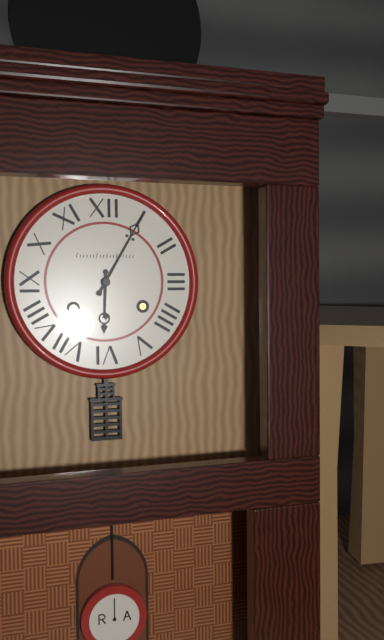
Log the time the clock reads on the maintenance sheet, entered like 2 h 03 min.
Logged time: 6 h 05 min
